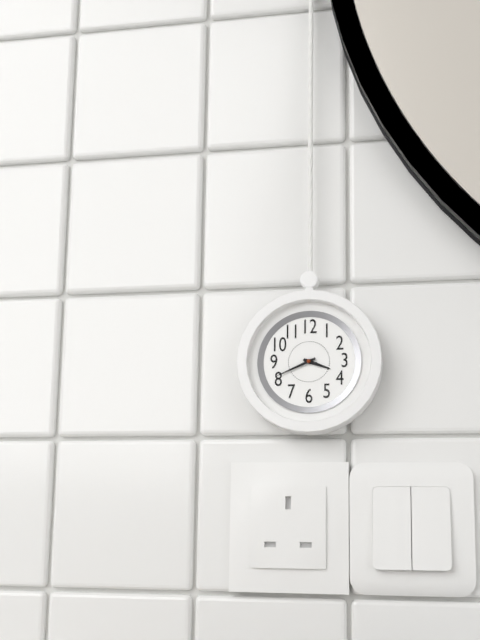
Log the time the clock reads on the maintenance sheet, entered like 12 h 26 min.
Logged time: 3 h 41 min
